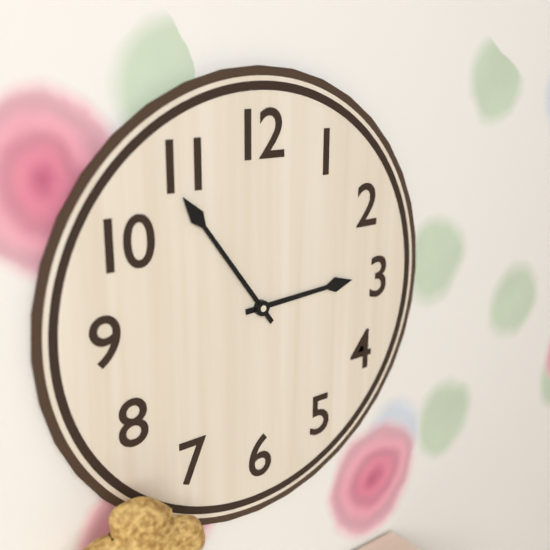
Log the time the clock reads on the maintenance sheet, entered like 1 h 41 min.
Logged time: 2 h 54 min
